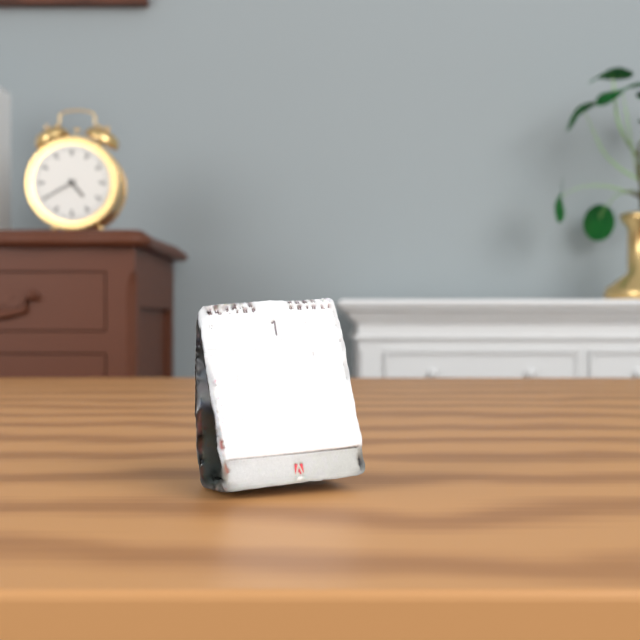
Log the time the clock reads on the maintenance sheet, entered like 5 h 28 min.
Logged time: 4 h 40 min
